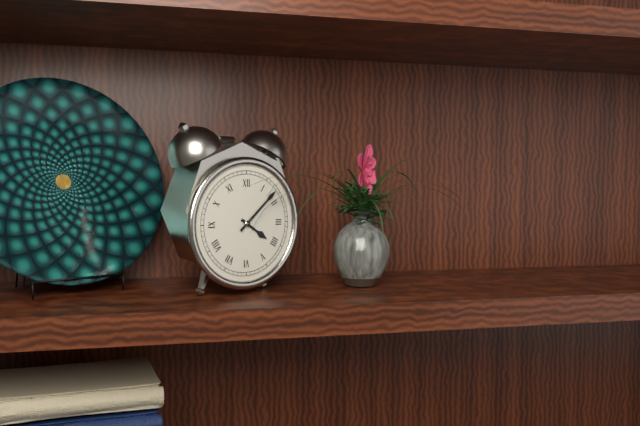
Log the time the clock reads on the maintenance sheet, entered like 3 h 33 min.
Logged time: 4 h 08 min
